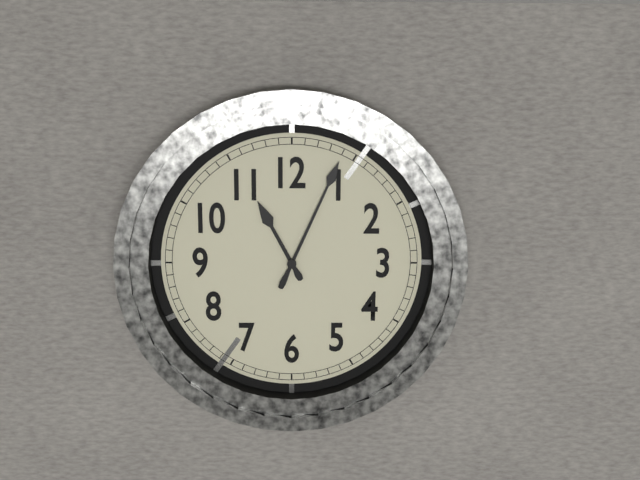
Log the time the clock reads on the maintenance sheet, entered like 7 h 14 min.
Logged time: 11 h 04 min
